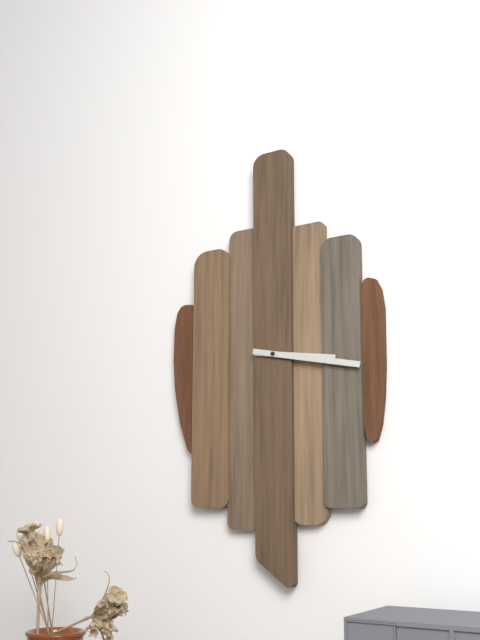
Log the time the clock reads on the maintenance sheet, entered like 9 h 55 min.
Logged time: 3 h 17 min
